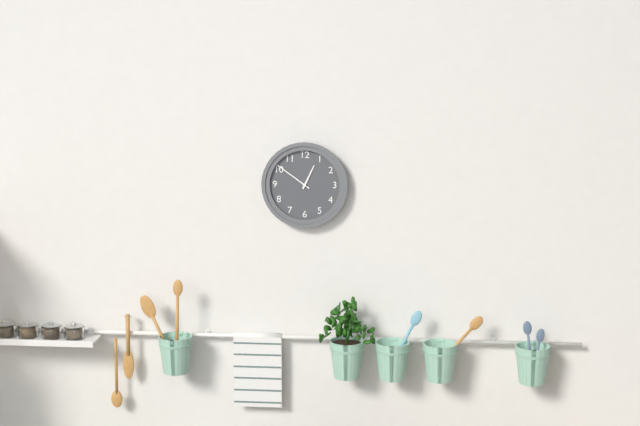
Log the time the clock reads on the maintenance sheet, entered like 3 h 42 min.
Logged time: 12 h 51 min
